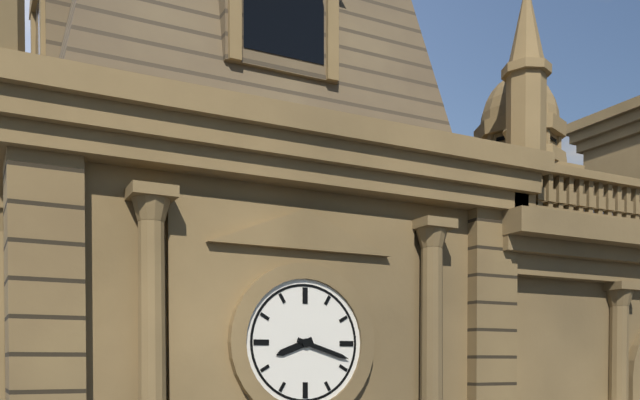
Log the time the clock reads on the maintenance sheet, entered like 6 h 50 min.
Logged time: 8 h 18 min
